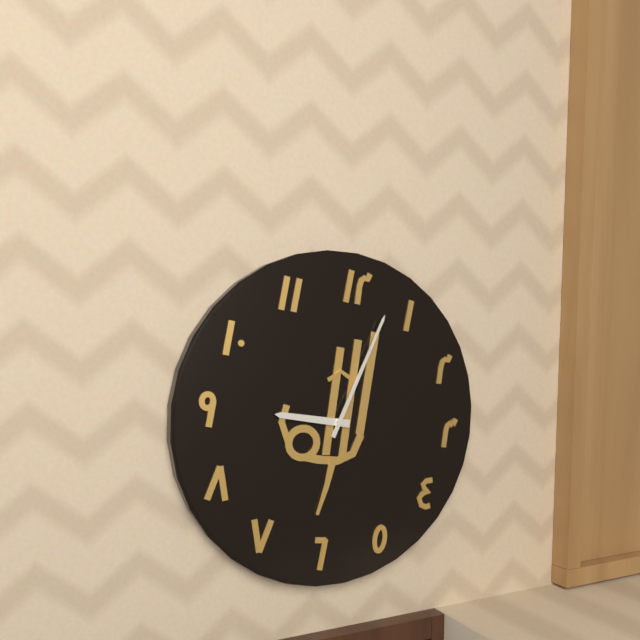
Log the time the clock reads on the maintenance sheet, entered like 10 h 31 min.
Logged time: 9 h 03 min
